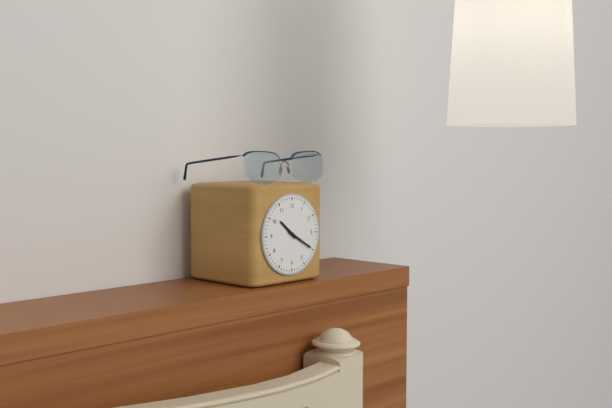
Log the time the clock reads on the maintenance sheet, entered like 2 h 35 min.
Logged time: 10 h 20 min
